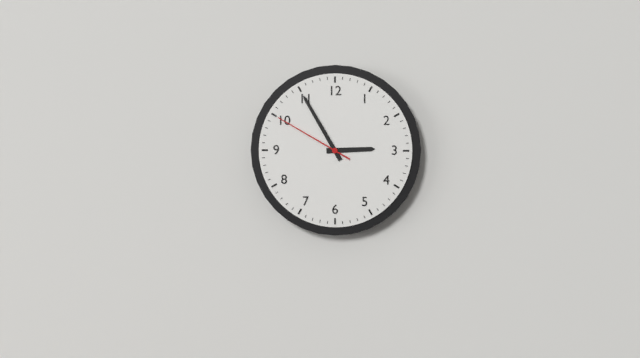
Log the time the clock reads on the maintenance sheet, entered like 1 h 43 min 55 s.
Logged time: 2 h 55 min 50 s
